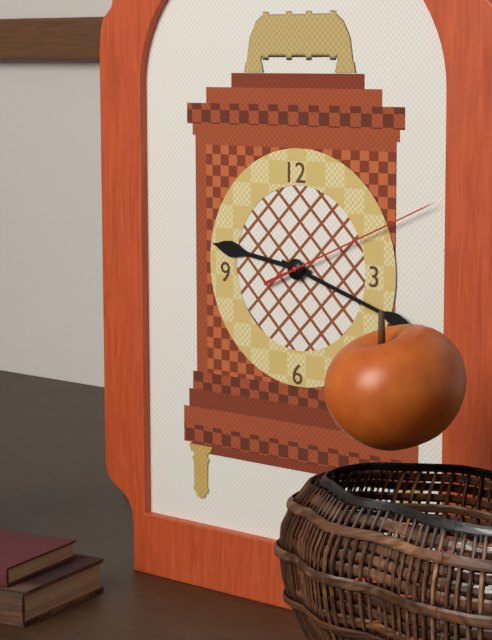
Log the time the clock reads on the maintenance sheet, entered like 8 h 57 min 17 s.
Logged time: 9 h 18 min 11 s
